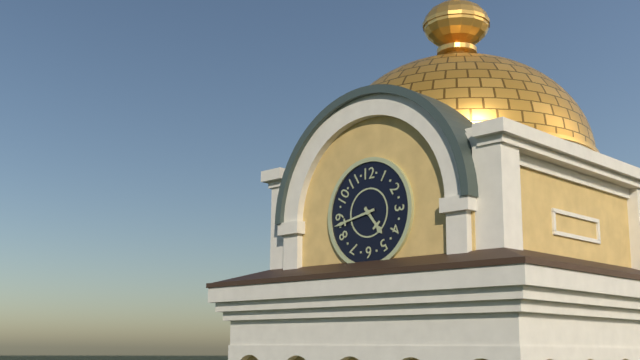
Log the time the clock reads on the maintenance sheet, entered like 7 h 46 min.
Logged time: 4 h 43 min
